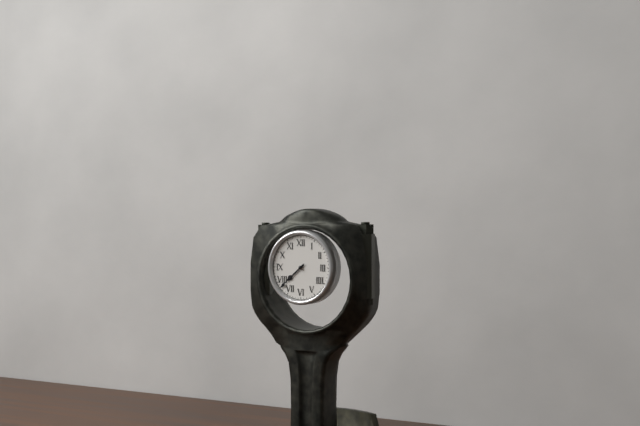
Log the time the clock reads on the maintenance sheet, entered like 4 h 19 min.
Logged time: 7 h 38 min
